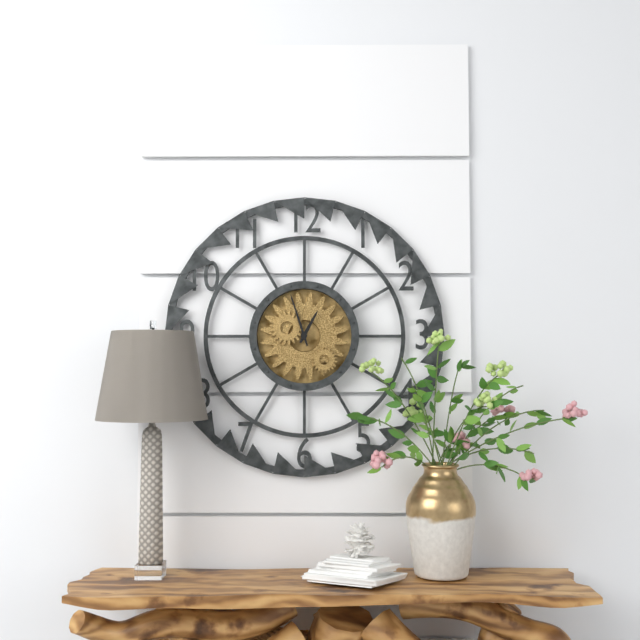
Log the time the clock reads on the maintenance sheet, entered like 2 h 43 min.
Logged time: 12 h 57 min
